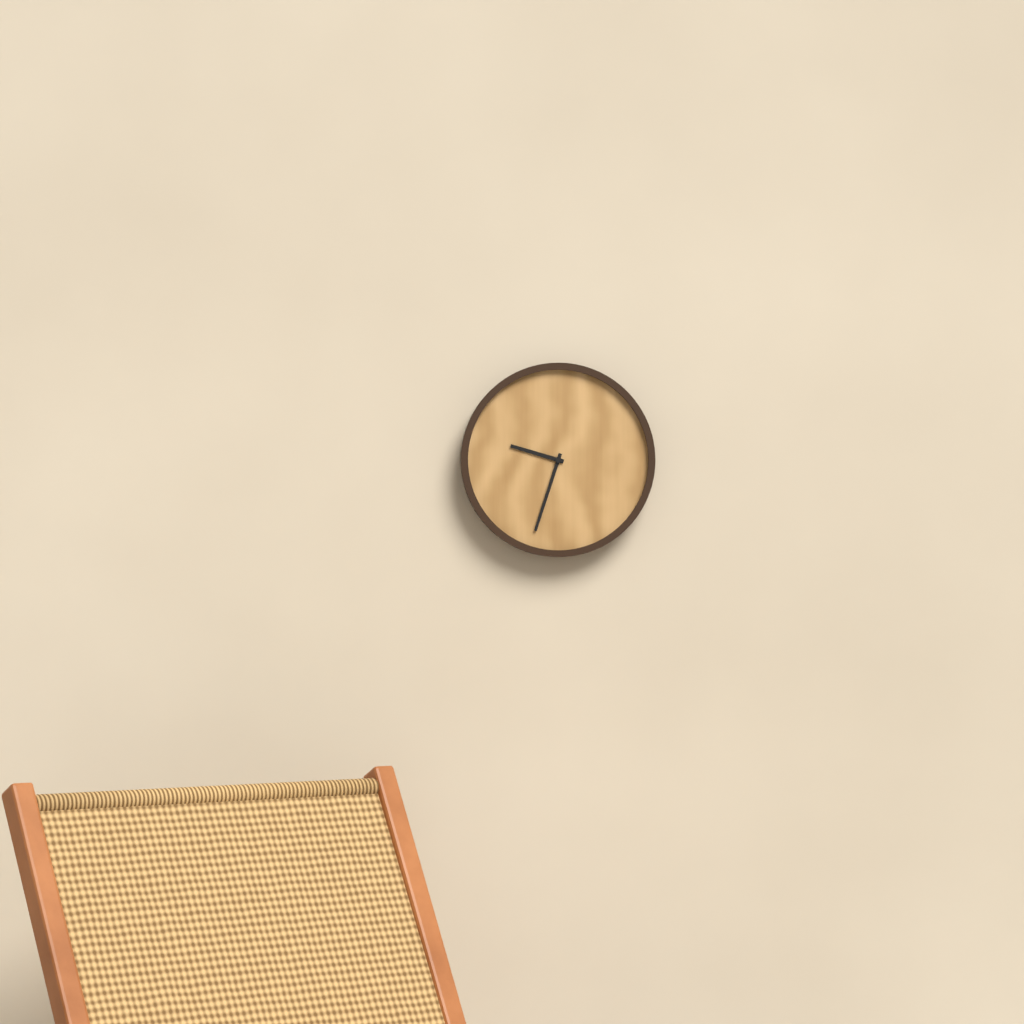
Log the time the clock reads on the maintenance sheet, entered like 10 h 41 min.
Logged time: 9 h 33 min
